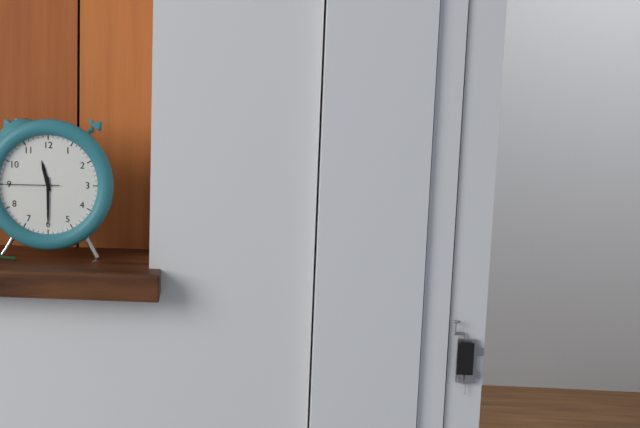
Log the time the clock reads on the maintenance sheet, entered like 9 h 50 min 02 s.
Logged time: 11 h 30 min 45 s
